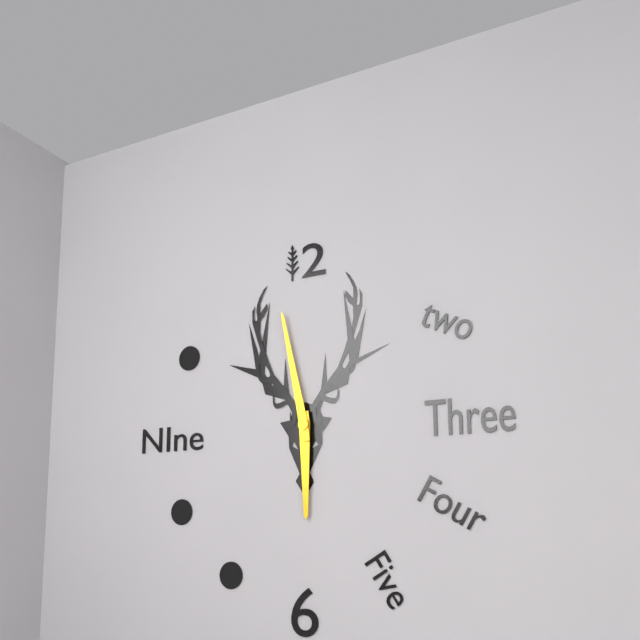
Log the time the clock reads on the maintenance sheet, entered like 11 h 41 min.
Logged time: 5 h 58 min
